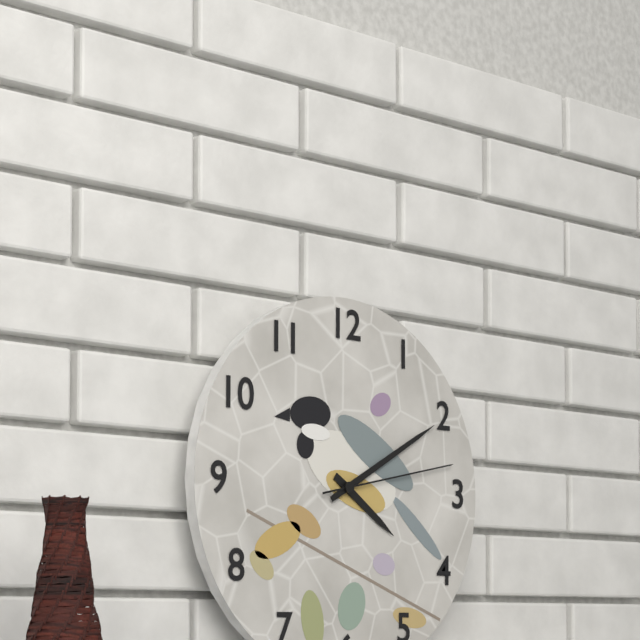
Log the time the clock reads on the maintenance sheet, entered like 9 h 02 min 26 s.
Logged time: 4 h 10 min 13 s
